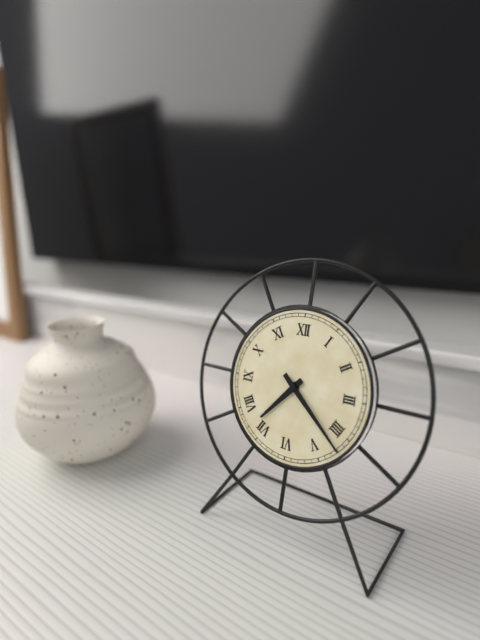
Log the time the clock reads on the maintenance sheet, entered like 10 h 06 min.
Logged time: 7 h 22 min
